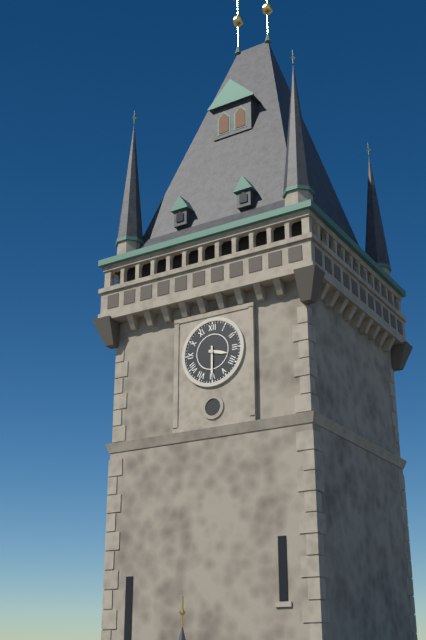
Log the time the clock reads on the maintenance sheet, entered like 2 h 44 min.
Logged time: 3 h 30 min
